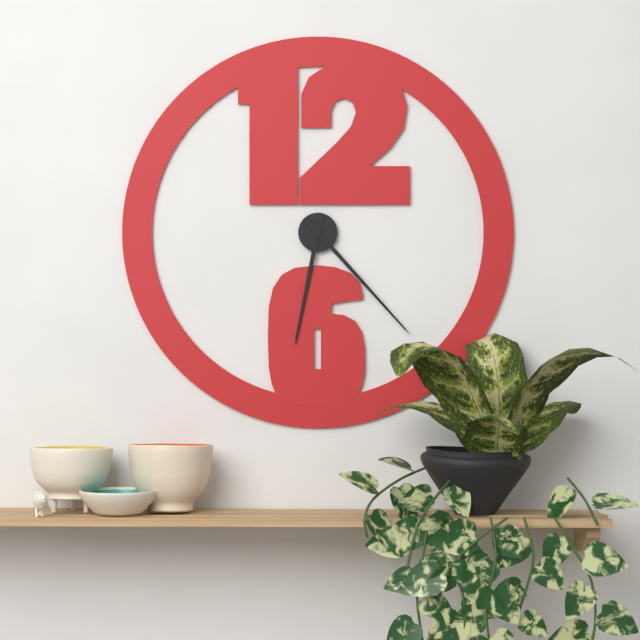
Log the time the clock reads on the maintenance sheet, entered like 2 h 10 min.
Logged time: 6 h 23 min
